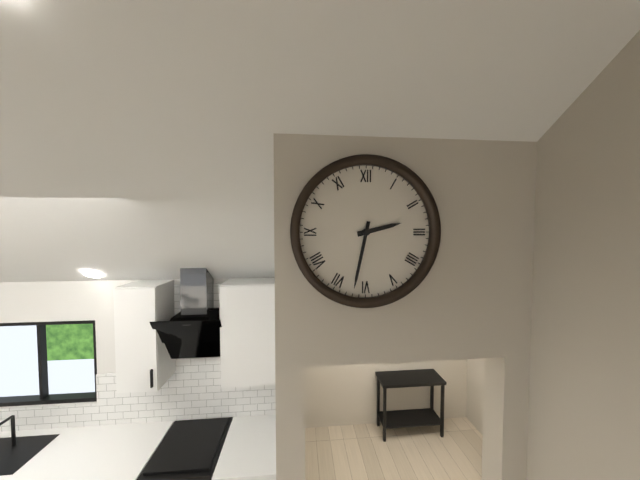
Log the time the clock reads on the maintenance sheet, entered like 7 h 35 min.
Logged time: 2 h 32 min
